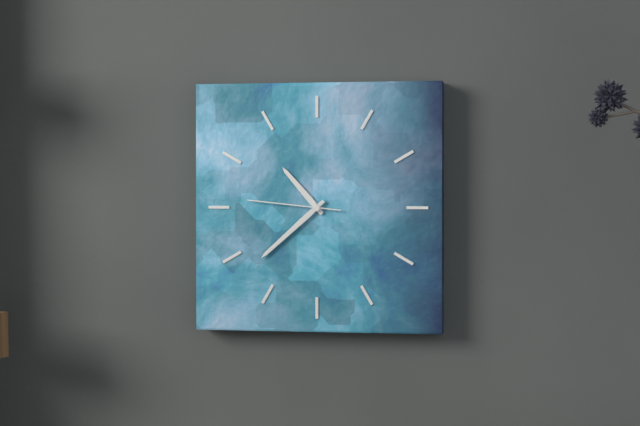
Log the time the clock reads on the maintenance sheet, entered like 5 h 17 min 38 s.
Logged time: 10 h 38 min 46 s
